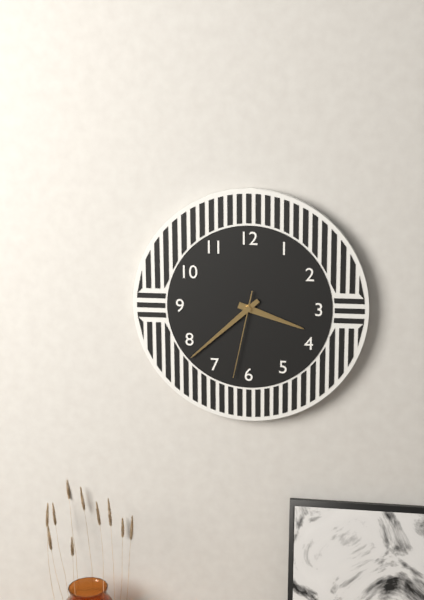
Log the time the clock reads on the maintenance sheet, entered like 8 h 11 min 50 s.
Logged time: 3 h 38 min 32 s
